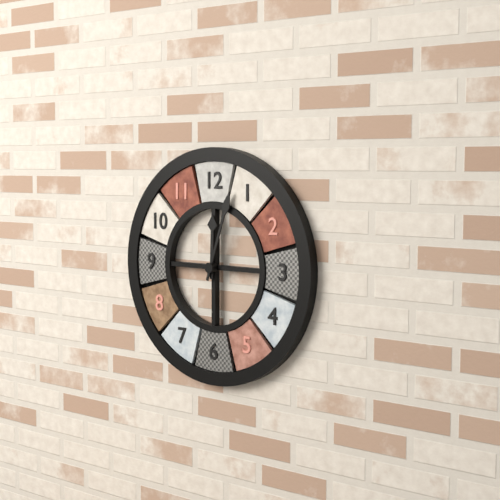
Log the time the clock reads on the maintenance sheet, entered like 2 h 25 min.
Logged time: 12 h 03 min
